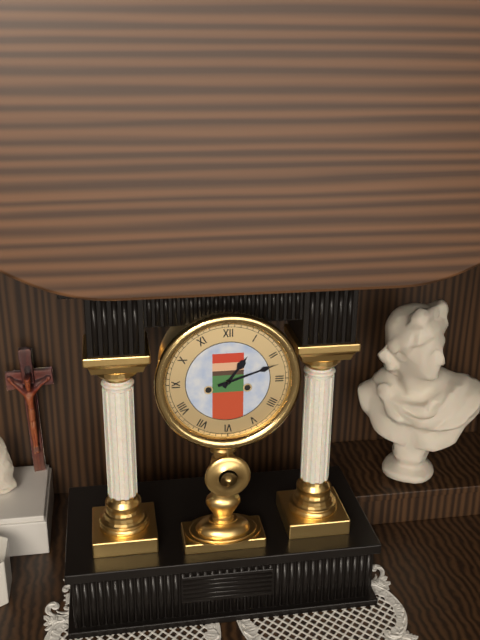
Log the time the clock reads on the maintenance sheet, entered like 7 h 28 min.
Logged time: 1 h 12 min
